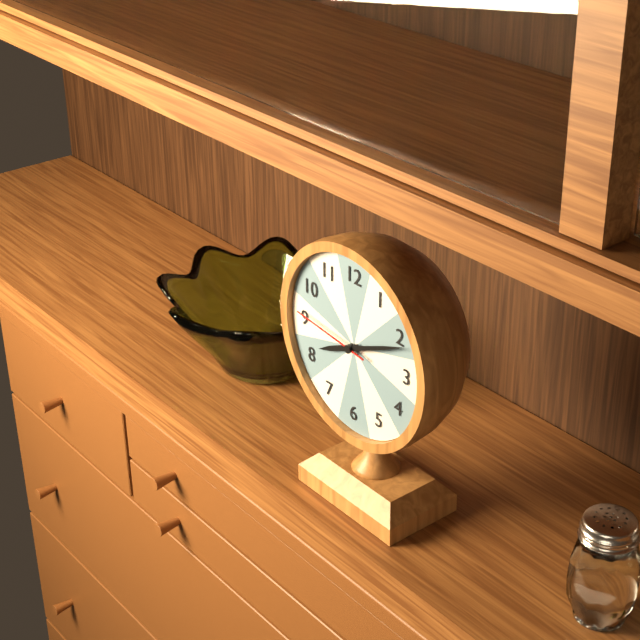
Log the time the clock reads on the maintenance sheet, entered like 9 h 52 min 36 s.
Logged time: 8 h 11 min 46 s
